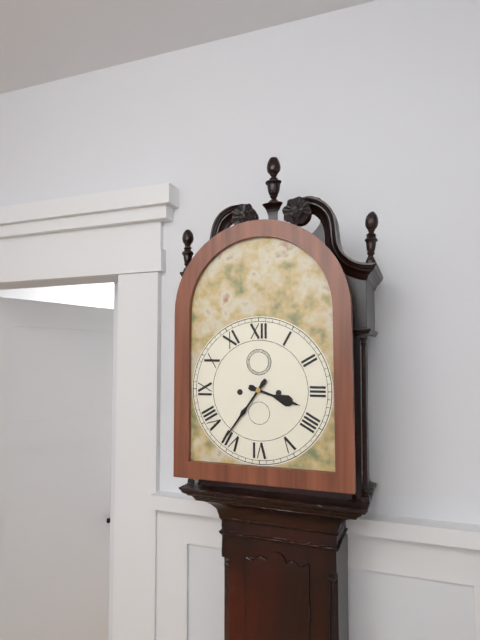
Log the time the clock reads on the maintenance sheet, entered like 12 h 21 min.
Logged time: 3 h 36 min
